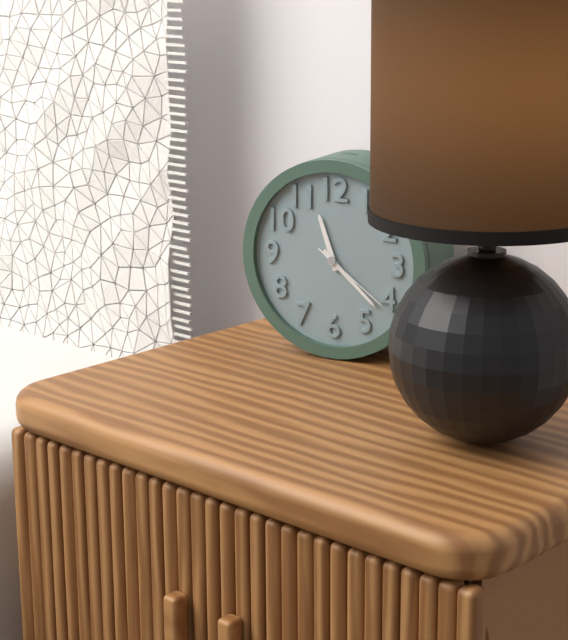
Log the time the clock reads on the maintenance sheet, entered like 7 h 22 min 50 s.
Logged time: 11 h 22 min 21 s
